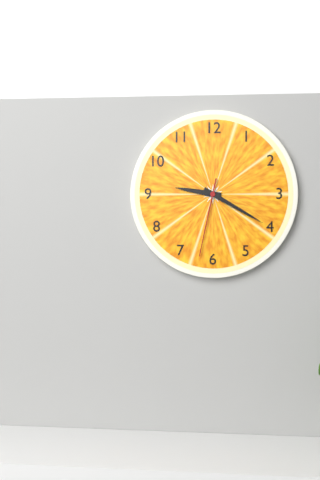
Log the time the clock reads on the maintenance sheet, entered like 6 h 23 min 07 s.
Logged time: 9 h 20 min 32 s
